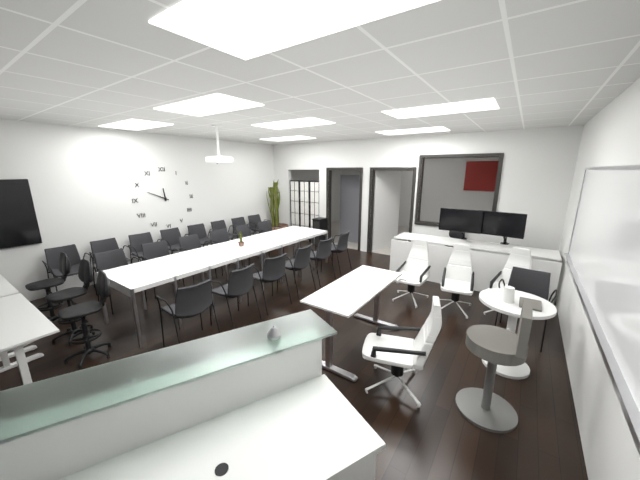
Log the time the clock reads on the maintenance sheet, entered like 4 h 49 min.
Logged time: 11 h 49 min
